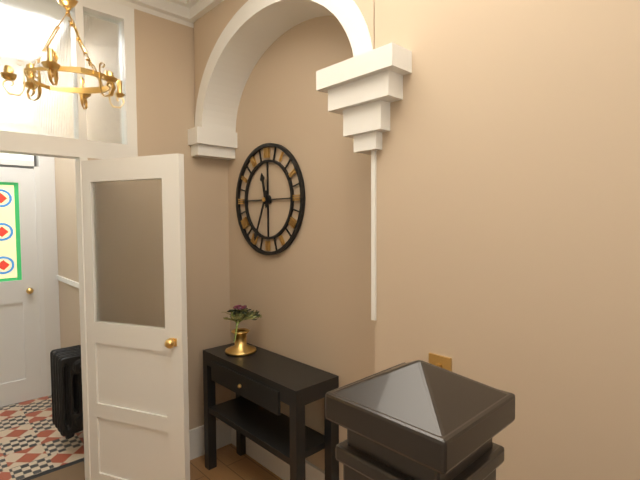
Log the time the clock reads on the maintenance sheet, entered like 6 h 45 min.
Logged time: 11 h 34 min
